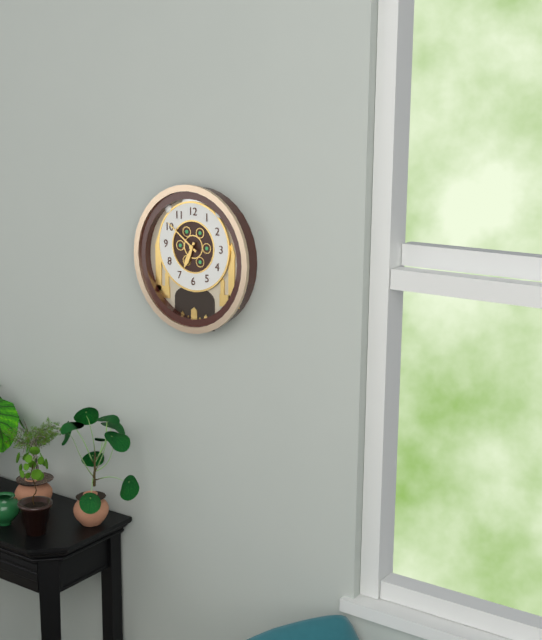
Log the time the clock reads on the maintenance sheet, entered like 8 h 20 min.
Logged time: 6 h 51 min
